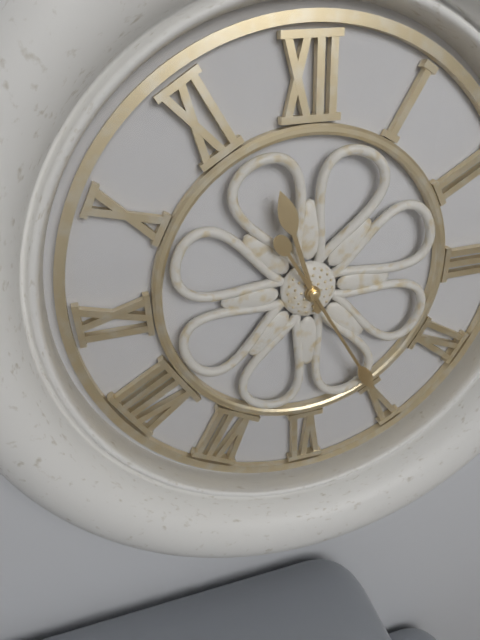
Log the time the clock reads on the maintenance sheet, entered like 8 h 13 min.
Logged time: 11 h 25 min
